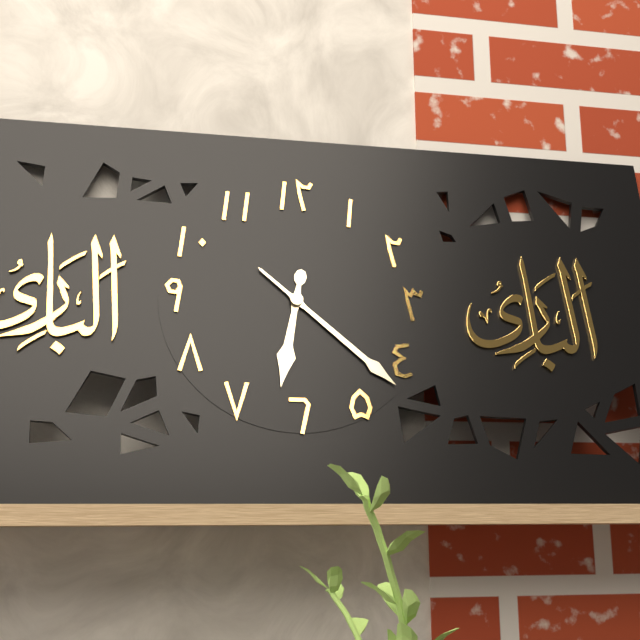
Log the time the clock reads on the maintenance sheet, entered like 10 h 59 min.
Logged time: 6 h 22 min
